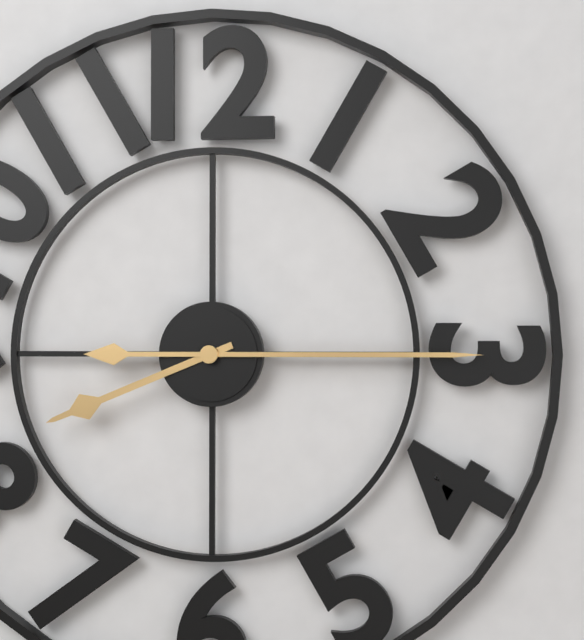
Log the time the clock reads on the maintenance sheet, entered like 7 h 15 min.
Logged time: 8 h 15 min
